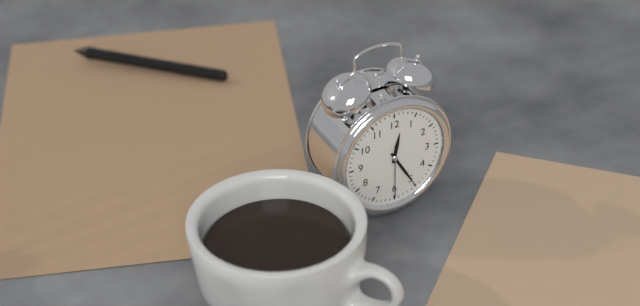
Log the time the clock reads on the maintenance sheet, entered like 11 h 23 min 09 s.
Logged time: 12 h 25 min 30 s
